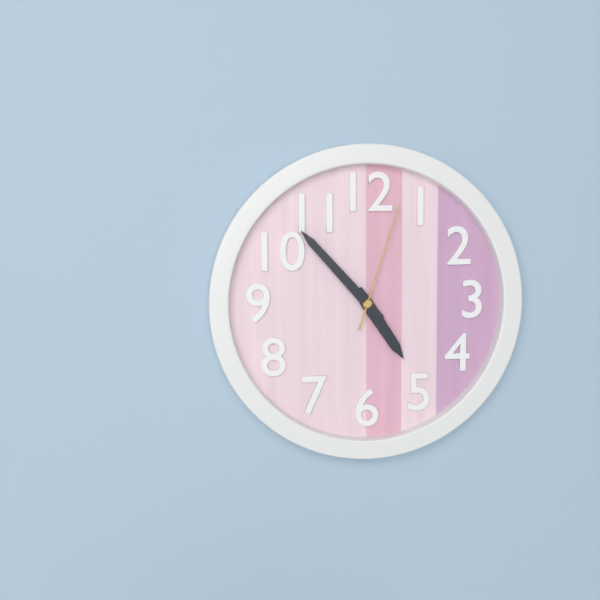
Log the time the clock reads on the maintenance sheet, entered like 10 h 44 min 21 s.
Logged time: 4 h 53 min 03 s
